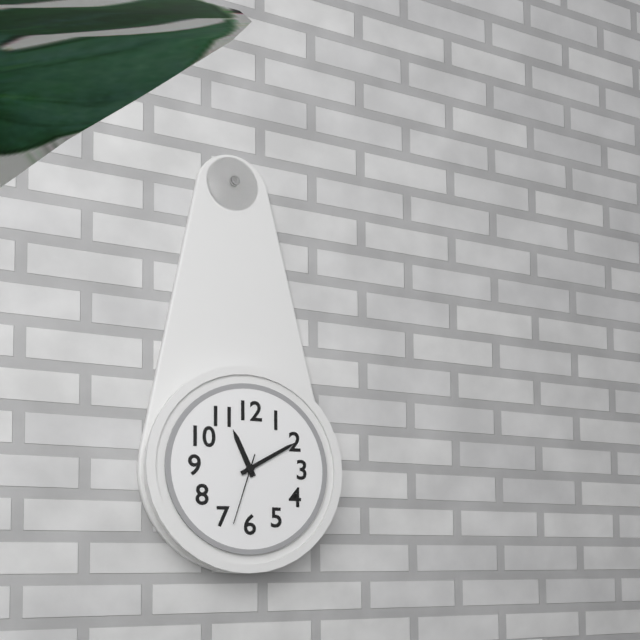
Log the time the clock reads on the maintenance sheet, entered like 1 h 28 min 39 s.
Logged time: 11 h 10 min 33 s
